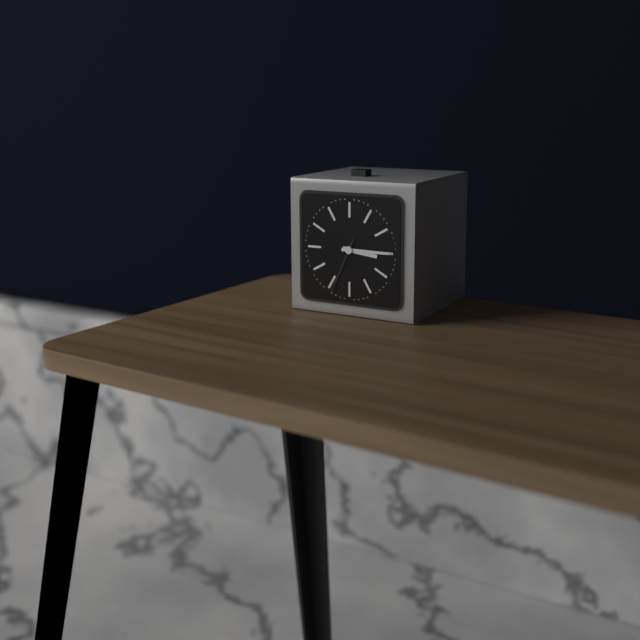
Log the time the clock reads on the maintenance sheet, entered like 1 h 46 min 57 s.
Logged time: 3 h 15 min 34 s
